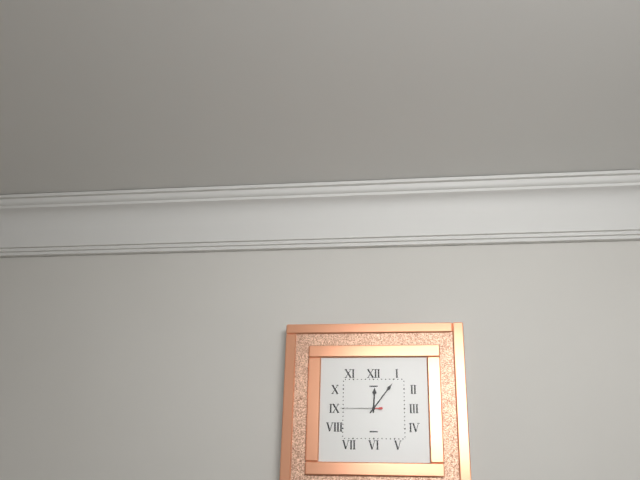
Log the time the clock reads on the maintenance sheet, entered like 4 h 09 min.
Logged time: 12 h 06 min
